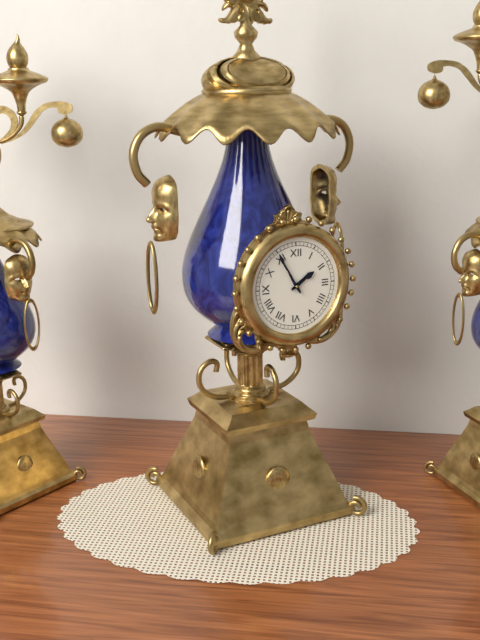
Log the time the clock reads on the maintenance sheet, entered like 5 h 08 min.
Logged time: 1 h 55 min
